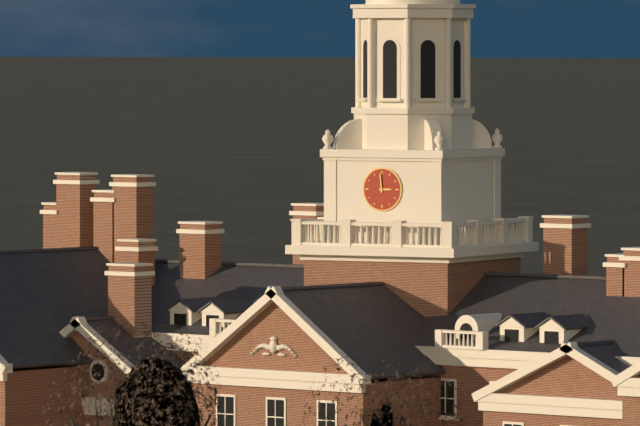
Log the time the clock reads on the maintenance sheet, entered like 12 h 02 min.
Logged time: 2 h 59 min
